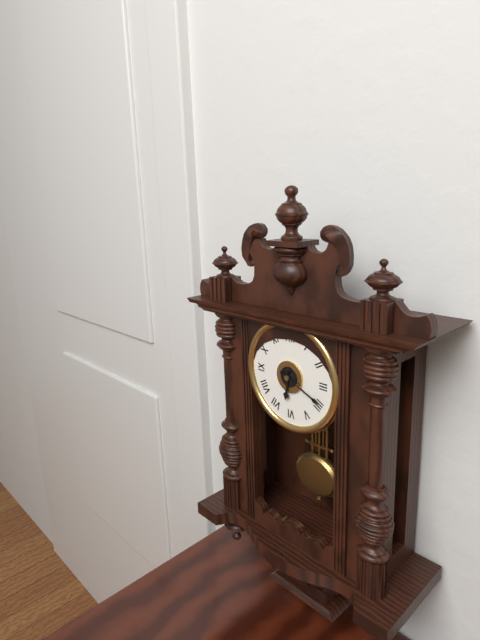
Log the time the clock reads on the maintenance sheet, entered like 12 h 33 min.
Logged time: 6 h 19 min
